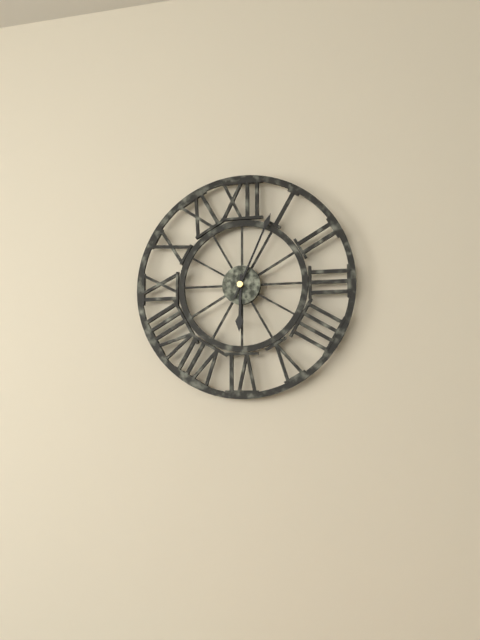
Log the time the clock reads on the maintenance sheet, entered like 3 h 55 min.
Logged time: 6 h 04 min
